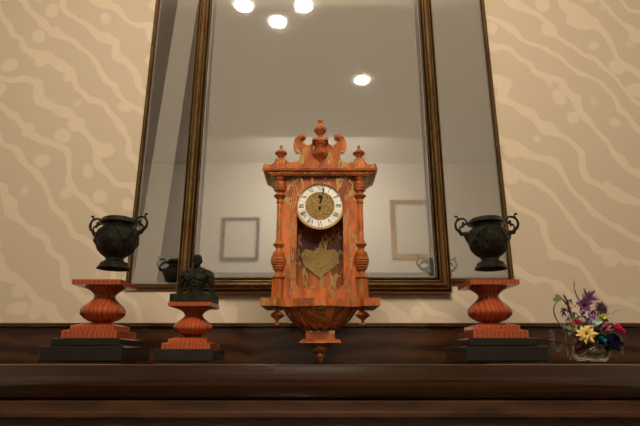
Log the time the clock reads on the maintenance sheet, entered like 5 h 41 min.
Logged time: 12 h 02 min
